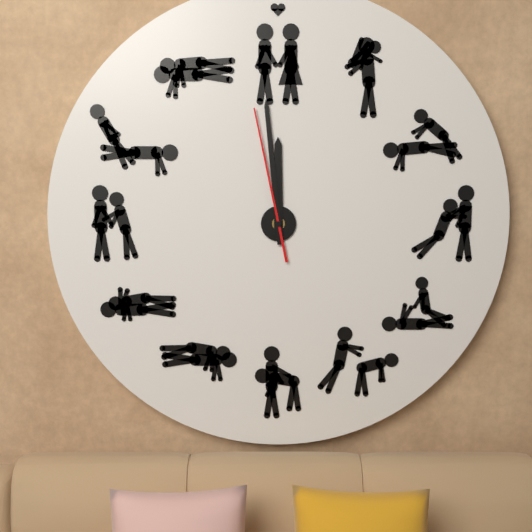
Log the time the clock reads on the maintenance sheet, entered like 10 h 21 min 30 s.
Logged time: 11 h 59 min 58 s
